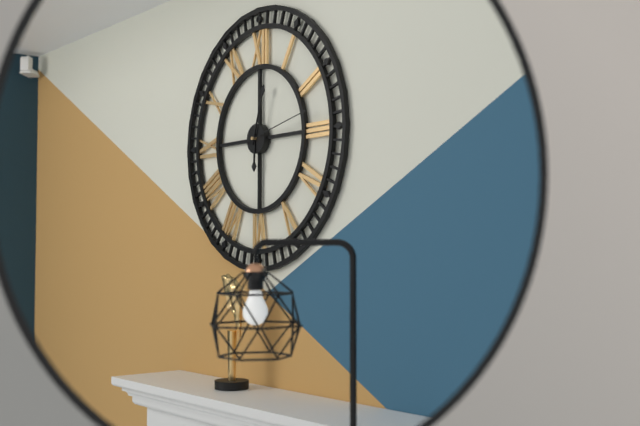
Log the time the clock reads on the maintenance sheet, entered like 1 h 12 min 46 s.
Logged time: 6 h 03 min 13 s
